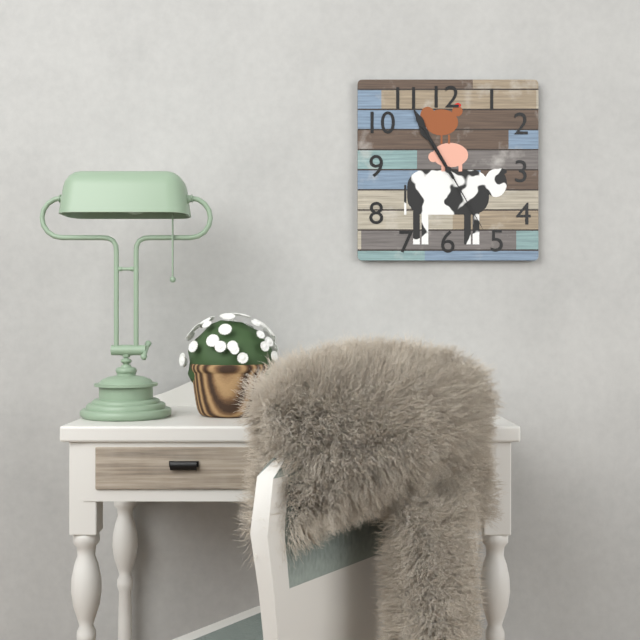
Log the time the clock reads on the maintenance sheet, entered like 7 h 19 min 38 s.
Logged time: 10 h 55 min 25 s
